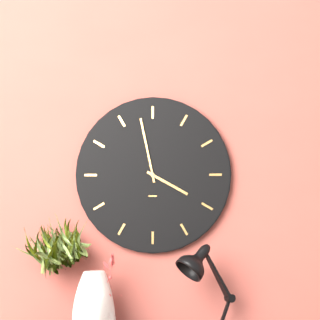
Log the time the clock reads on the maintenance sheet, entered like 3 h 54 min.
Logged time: 3 h 58 min
